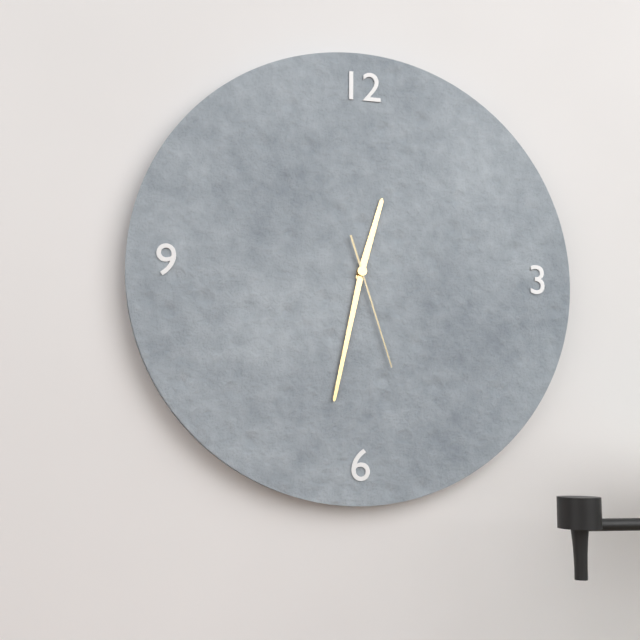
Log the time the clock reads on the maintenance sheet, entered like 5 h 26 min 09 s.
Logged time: 12 h 32 min 27 s
